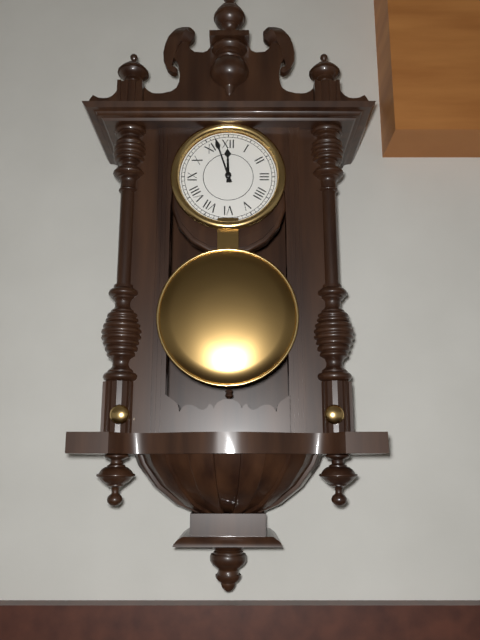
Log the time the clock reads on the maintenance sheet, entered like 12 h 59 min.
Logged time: 11 h 57 min
